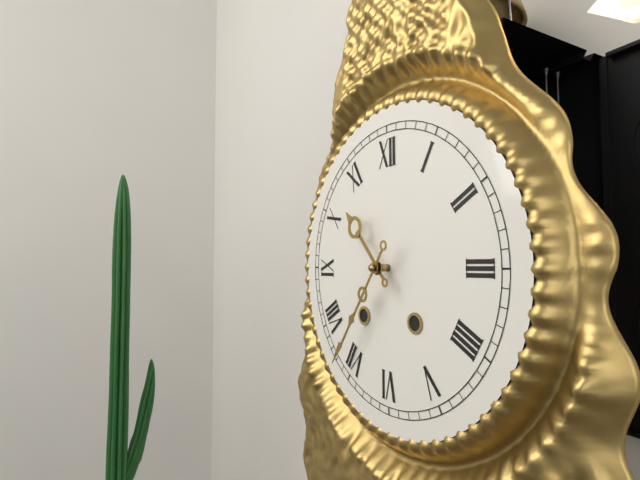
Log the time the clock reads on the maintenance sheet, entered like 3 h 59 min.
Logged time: 10 h 36 min
